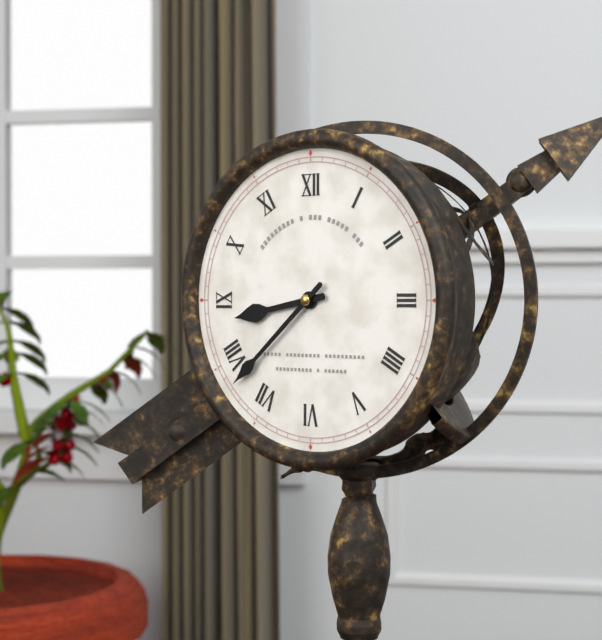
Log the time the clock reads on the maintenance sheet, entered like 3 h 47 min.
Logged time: 8 h 38 min
